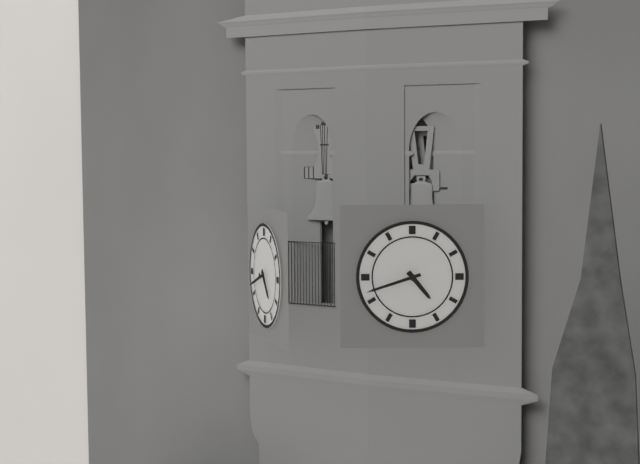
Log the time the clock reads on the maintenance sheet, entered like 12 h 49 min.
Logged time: 4 h 42 min
